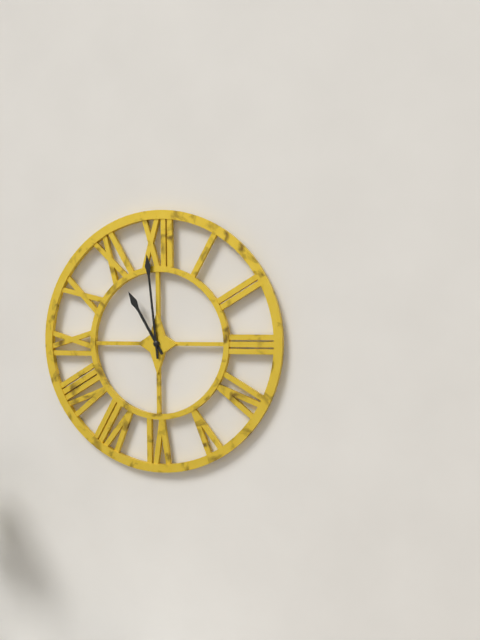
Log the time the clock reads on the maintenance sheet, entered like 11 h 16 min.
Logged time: 10 h 59 min
